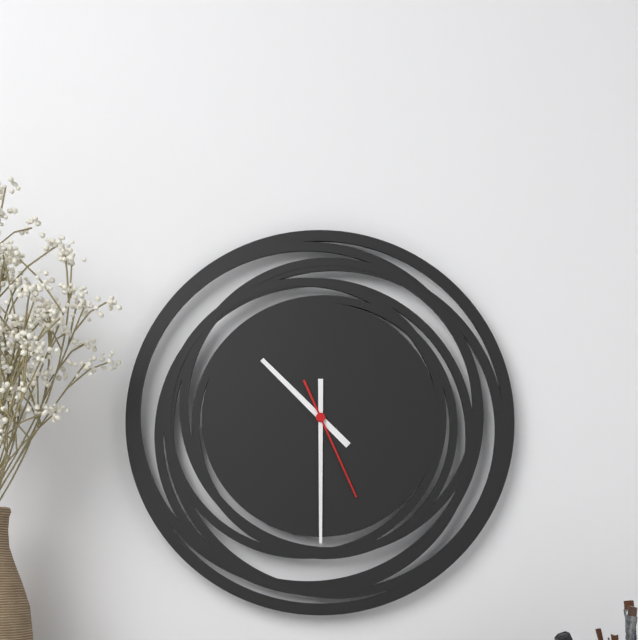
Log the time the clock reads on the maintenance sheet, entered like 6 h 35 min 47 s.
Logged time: 10 h 30 min 26 s
